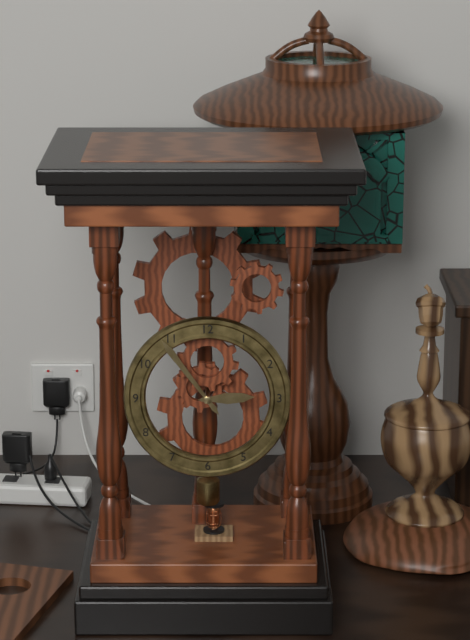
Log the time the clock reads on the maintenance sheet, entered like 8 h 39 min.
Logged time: 2 h 54 min
